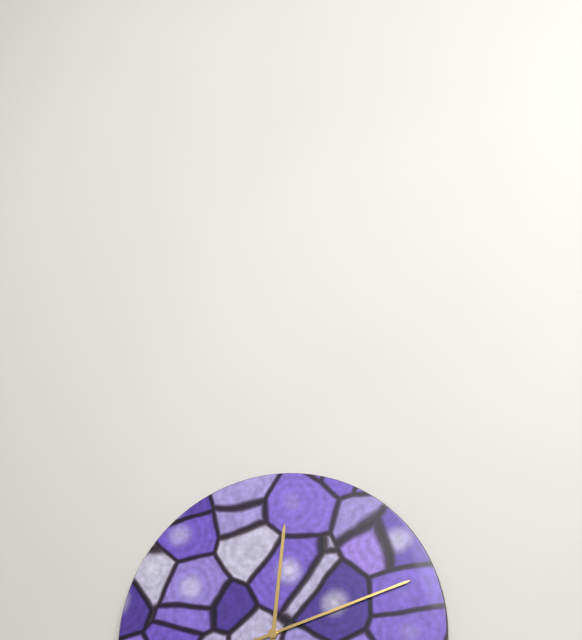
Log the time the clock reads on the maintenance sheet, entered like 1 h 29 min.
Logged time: 12 h 12 min
